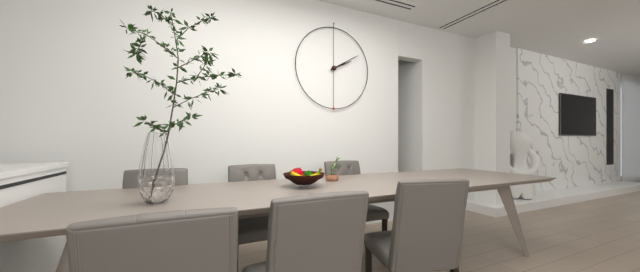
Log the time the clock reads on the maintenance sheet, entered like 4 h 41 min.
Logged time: 2 h 10 min
